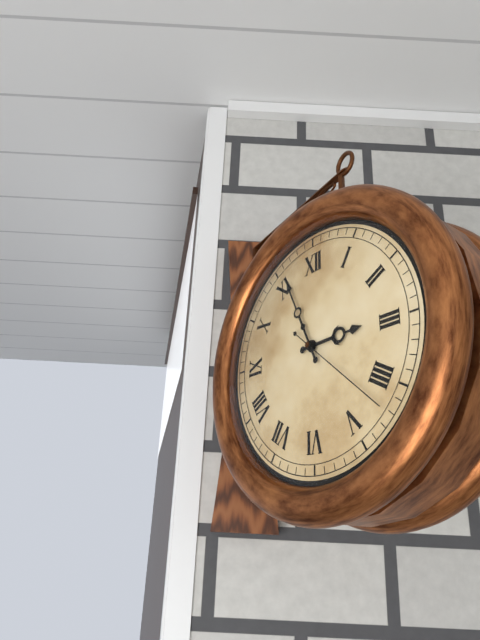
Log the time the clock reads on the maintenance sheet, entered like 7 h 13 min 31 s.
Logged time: 2 h 56 min 22 s
